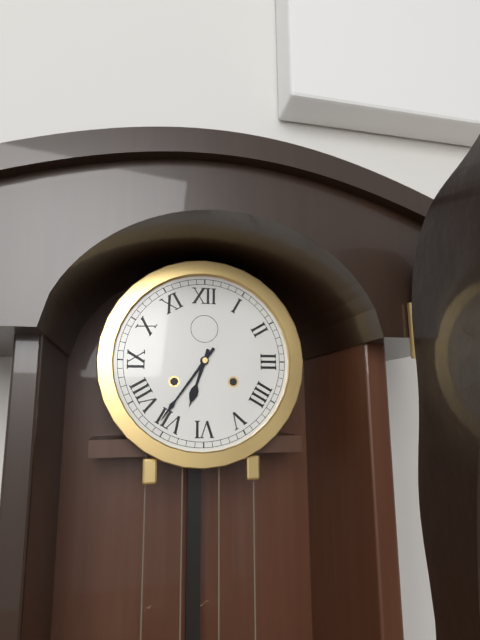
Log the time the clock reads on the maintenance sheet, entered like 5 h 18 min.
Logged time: 6 h 36 min
